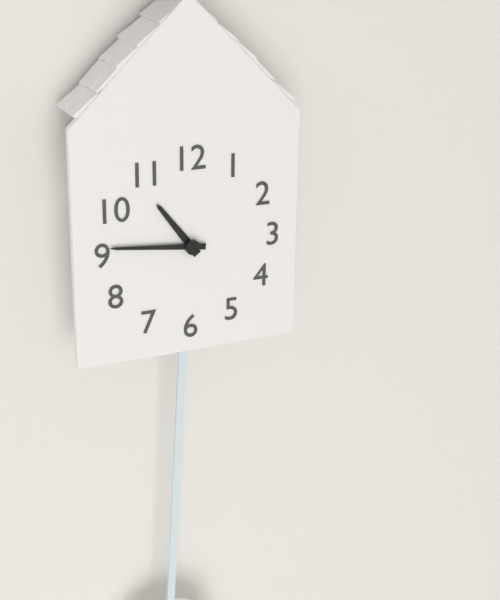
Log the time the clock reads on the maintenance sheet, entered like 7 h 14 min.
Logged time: 10 h 46 min
